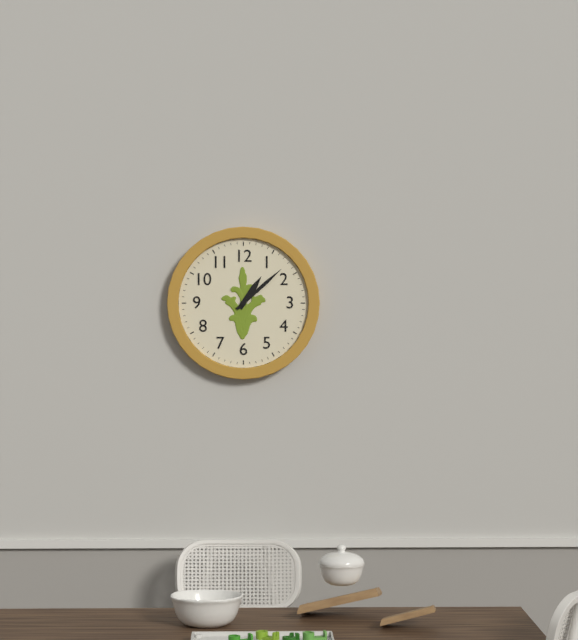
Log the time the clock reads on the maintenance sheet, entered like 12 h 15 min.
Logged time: 1 h 08 min
